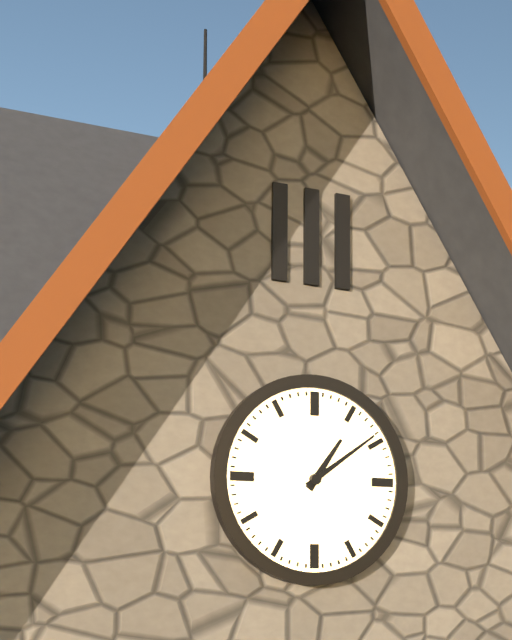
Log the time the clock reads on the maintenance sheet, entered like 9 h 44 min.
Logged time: 1 h 09 min
